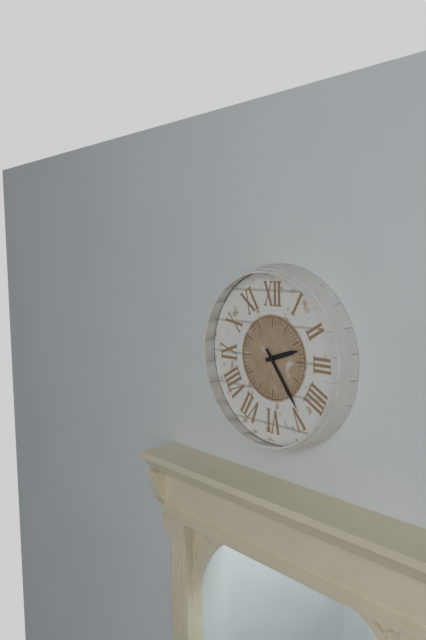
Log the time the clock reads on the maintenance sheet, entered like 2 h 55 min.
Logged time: 2 h 24 min
